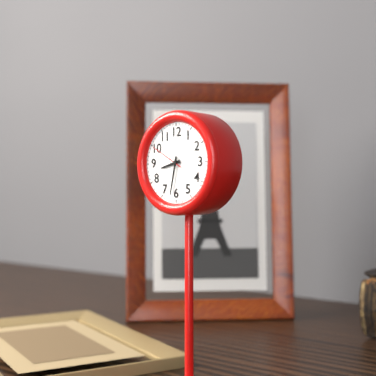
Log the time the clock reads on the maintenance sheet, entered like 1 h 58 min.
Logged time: 8 h 32 min
